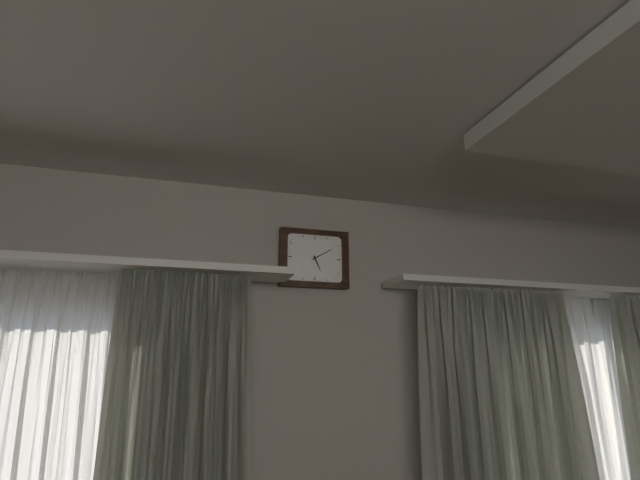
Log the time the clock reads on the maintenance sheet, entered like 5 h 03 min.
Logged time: 5 h 10 min
